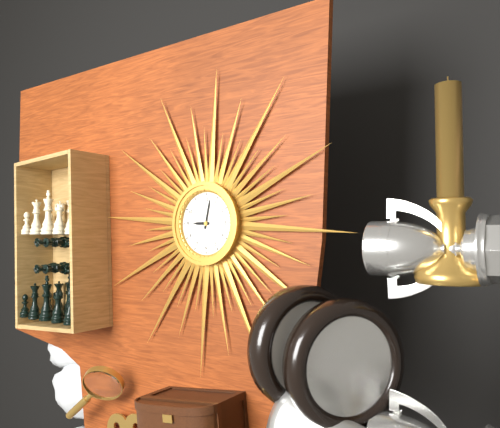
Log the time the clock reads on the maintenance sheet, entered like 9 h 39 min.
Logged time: 9 h 02 min
